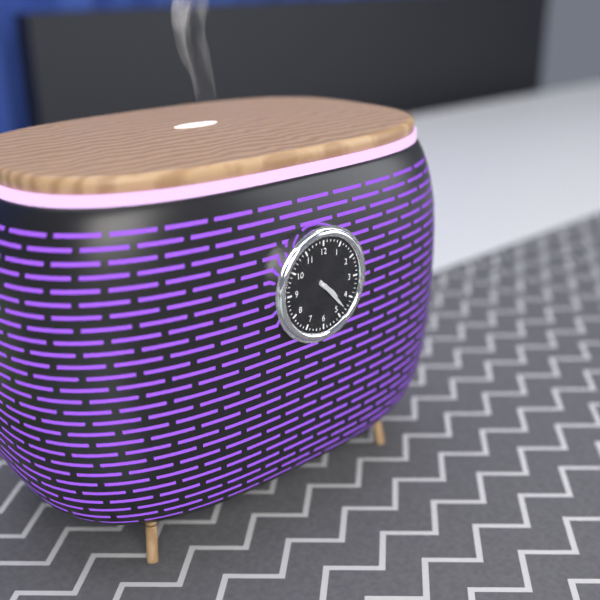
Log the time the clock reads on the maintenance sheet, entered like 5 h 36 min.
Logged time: 4 h 23 min
